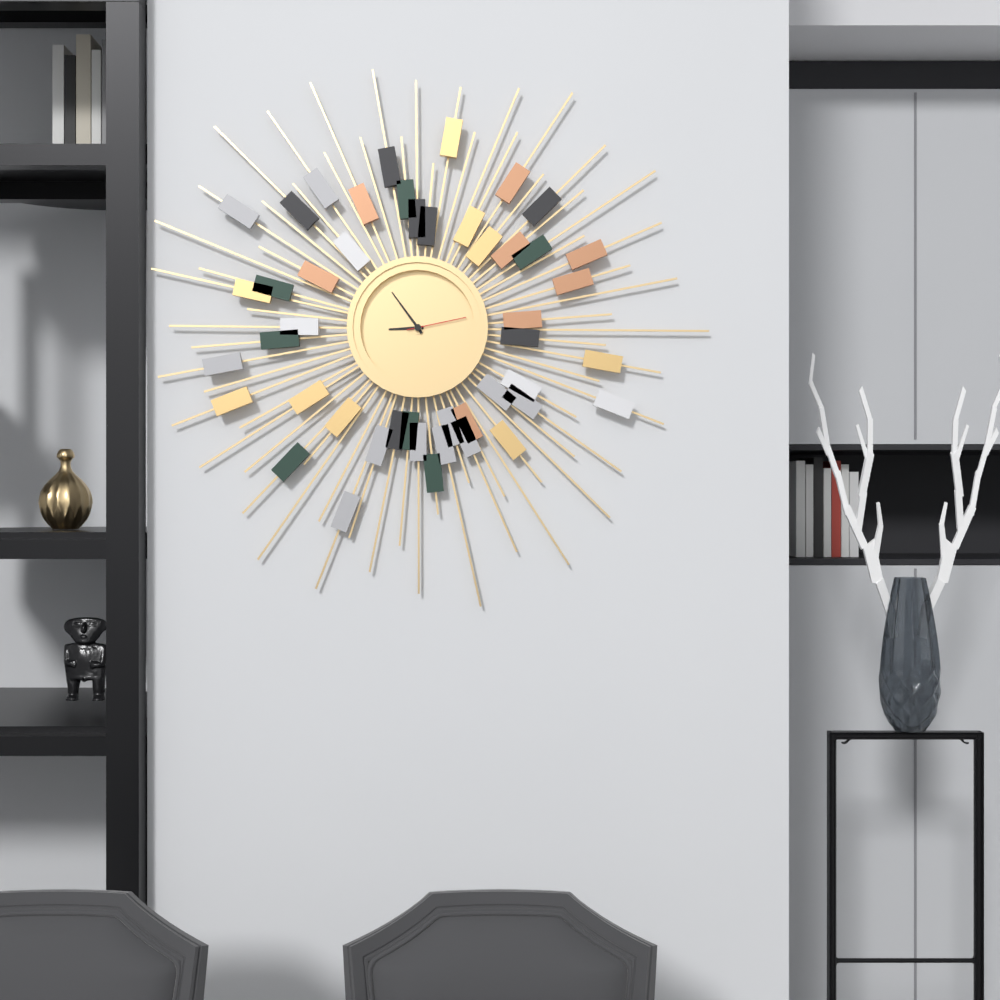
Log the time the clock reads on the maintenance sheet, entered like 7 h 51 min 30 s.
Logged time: 8 h 54 min 13 s
